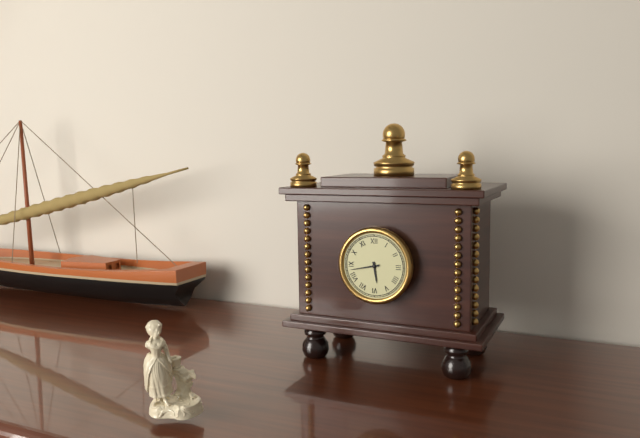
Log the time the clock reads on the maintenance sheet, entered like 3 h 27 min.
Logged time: 5 h 43 min
